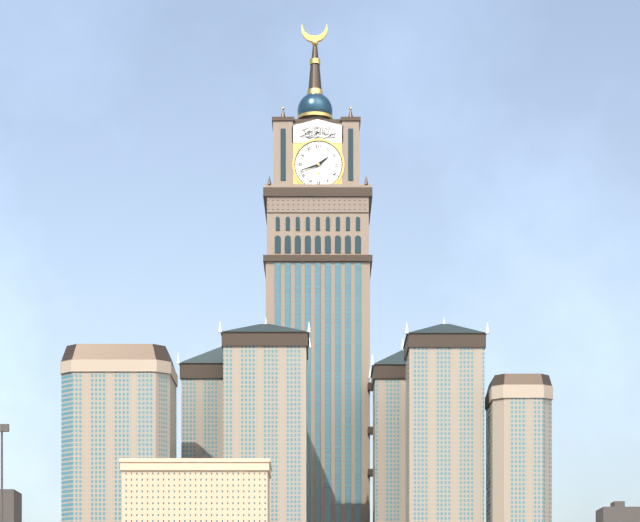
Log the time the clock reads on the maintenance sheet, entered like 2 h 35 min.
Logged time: 1 h 42 min
